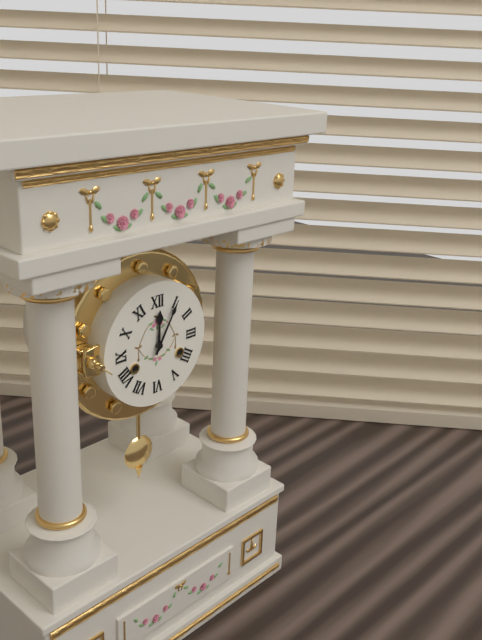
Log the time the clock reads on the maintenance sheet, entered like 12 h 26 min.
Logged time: 12 h 05 min
